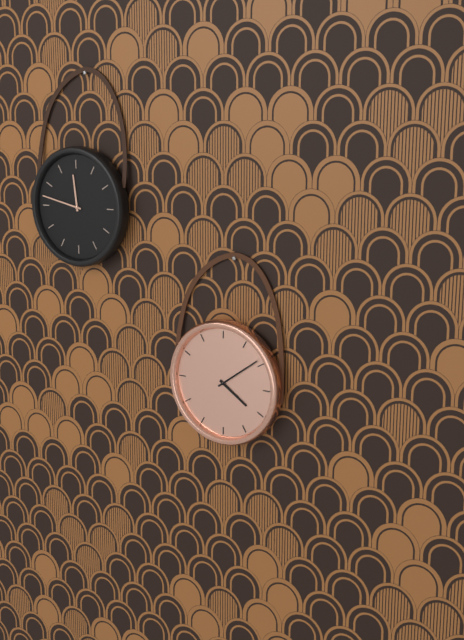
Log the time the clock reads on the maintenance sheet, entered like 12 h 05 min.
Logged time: 4 h 09 min
